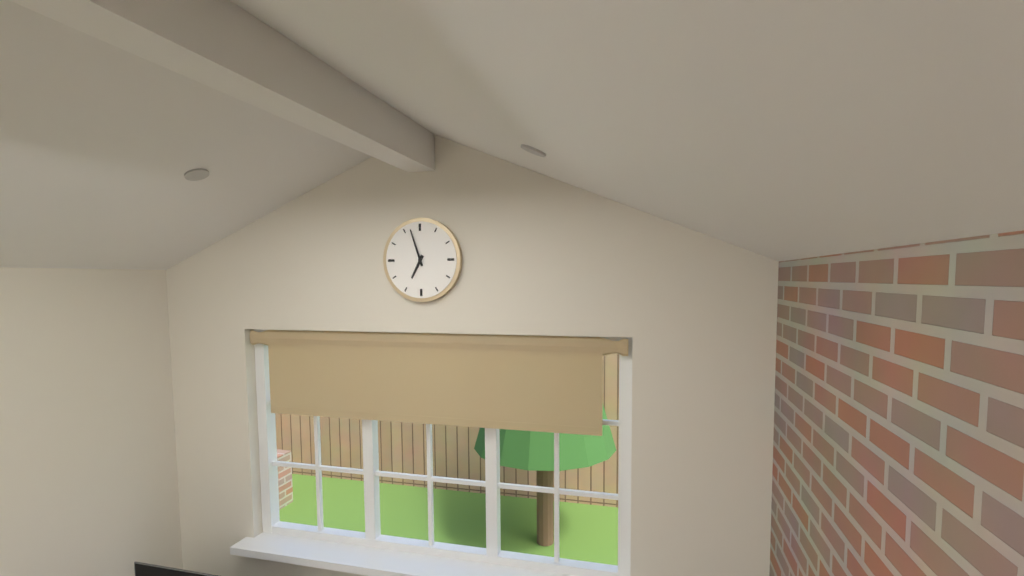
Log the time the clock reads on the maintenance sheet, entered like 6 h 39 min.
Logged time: 6 h 57 min
